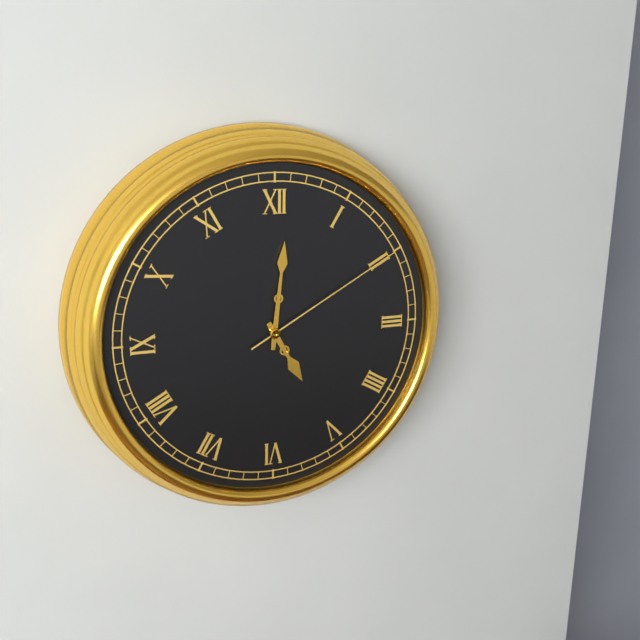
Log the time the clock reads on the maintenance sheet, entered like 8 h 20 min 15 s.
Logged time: 5 h 01 min 10 s
